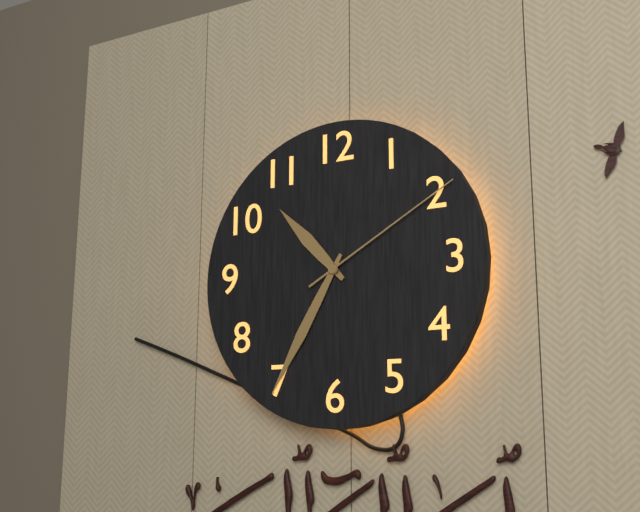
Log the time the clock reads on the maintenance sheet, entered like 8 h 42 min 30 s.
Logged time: 10 h 35 min 10 s
